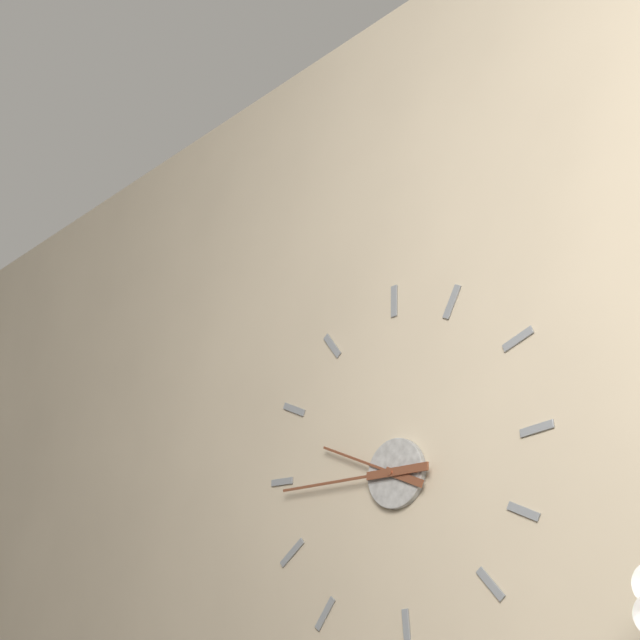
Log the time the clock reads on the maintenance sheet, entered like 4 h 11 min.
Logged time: 9 h 45 min
